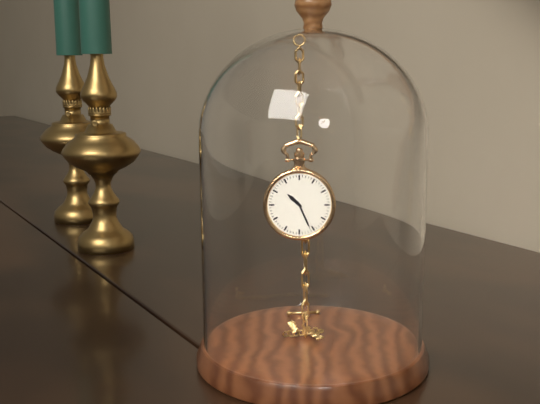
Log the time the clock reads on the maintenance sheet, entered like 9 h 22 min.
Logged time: 10 h 26 min
